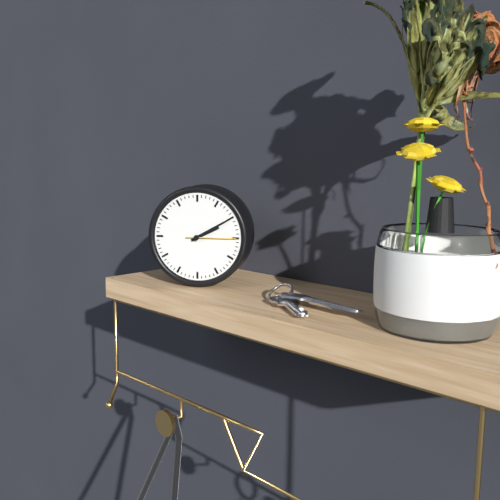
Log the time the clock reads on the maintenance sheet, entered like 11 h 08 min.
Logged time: 2 h 10 min
